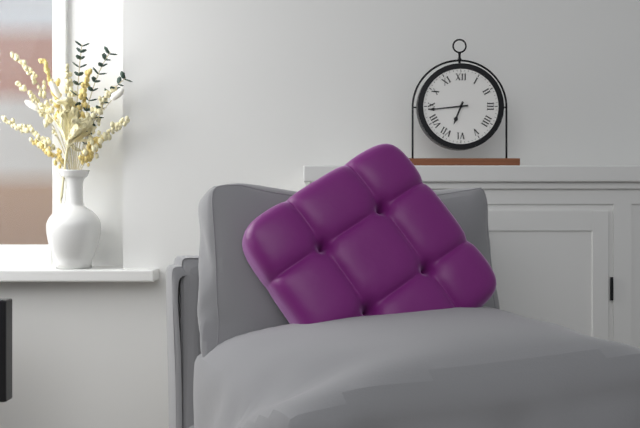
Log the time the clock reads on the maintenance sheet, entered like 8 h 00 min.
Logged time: 6 h 44 min
